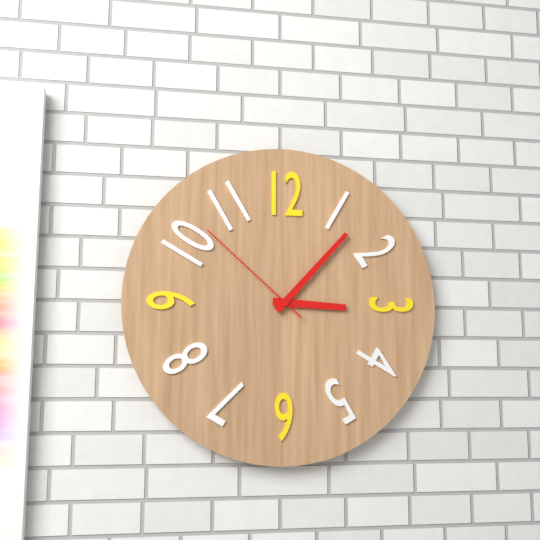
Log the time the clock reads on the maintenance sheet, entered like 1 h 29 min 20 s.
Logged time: 3 h 07 min 52 s
